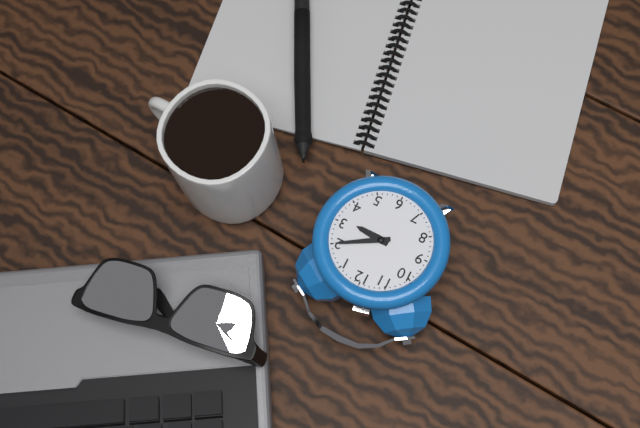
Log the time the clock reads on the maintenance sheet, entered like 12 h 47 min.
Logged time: 3 h 10 min
